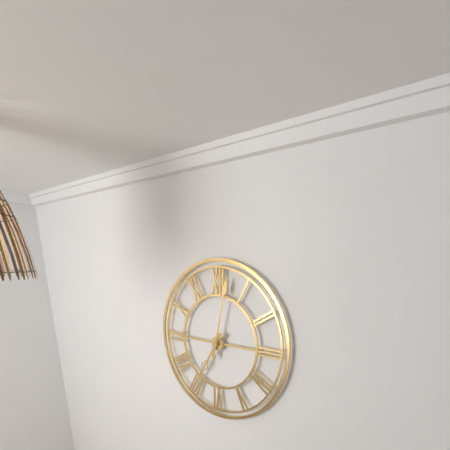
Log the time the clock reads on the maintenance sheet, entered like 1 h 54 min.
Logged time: 7 h 02 min
